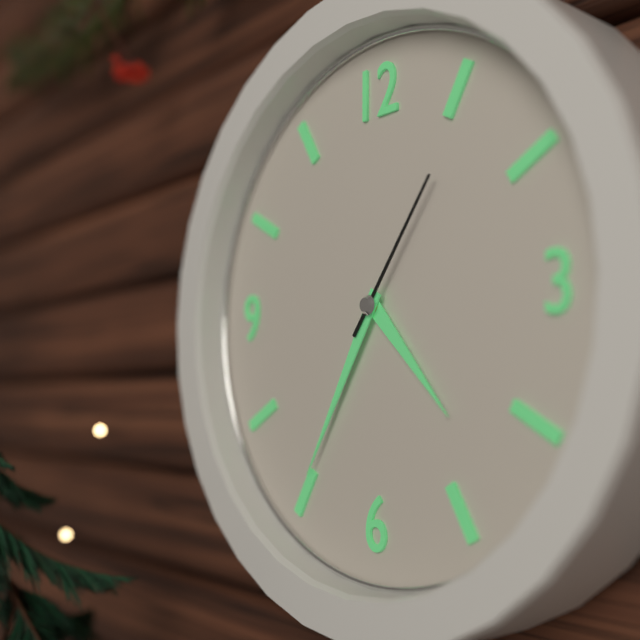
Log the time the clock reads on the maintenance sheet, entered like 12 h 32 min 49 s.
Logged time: 4 h 35 min 06 s
